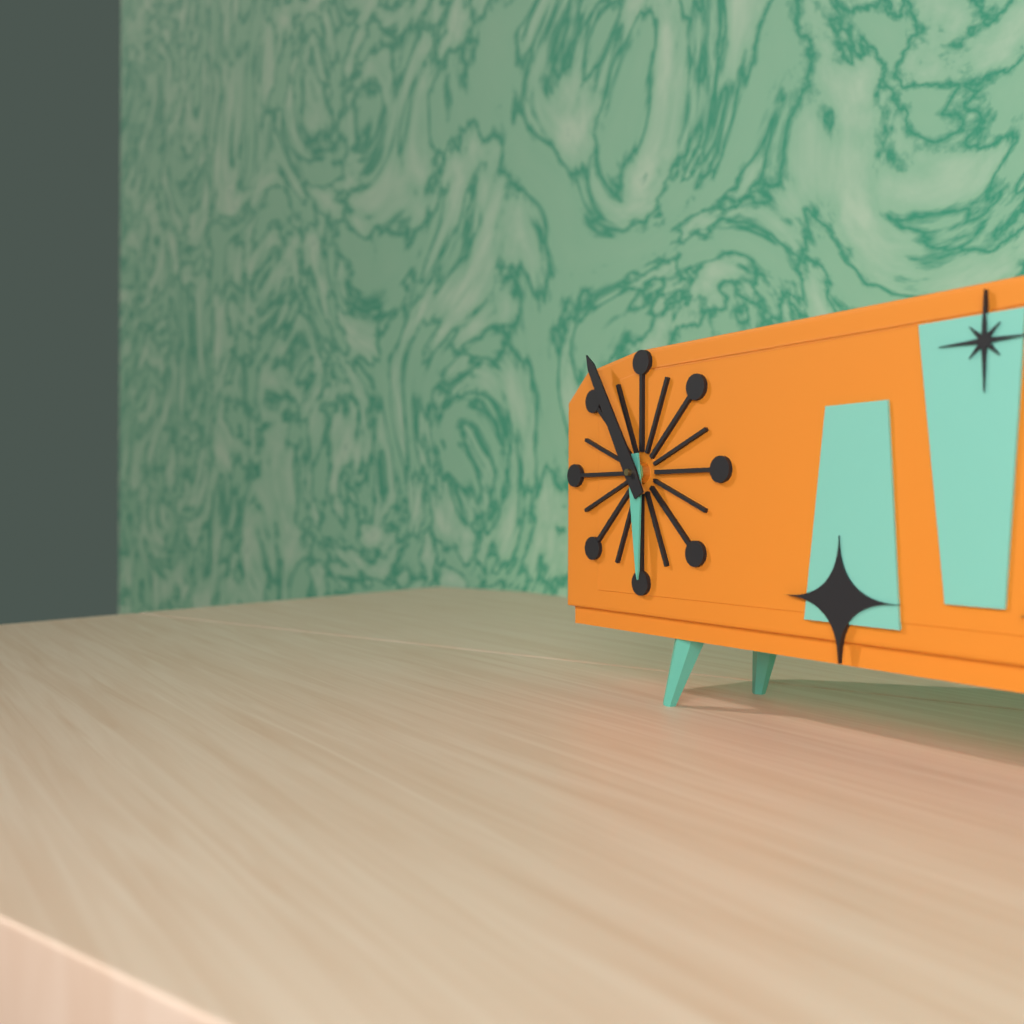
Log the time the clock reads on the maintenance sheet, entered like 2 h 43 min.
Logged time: 5 h 55 min
